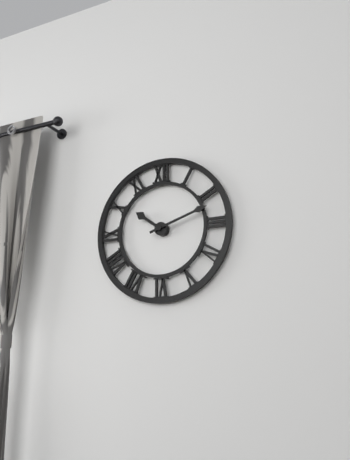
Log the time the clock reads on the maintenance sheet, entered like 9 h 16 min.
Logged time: 10 h 12 min
